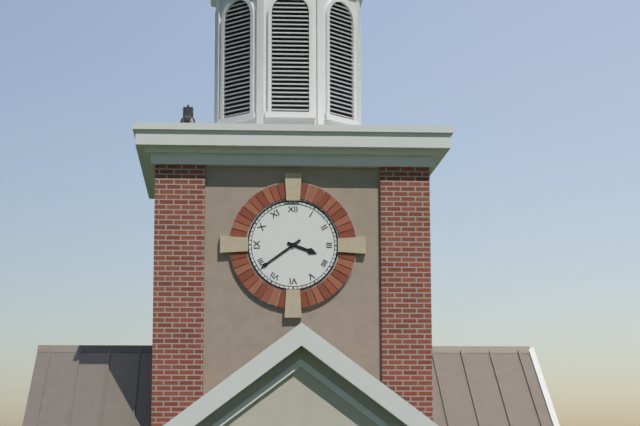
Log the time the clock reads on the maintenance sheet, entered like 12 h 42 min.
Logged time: 3 h 39 min
